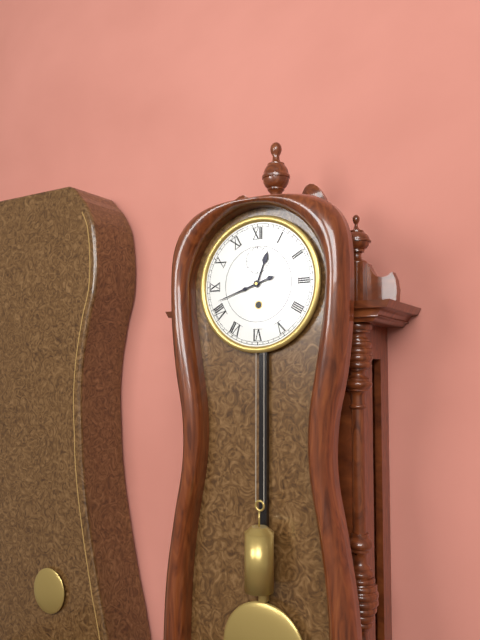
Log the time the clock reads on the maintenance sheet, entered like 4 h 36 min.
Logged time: 12 h 42 min
